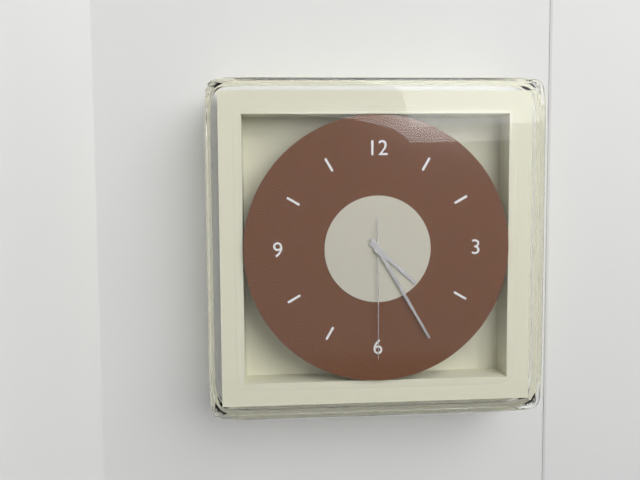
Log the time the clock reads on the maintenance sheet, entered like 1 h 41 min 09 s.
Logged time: 4 h 25 min 30 s
